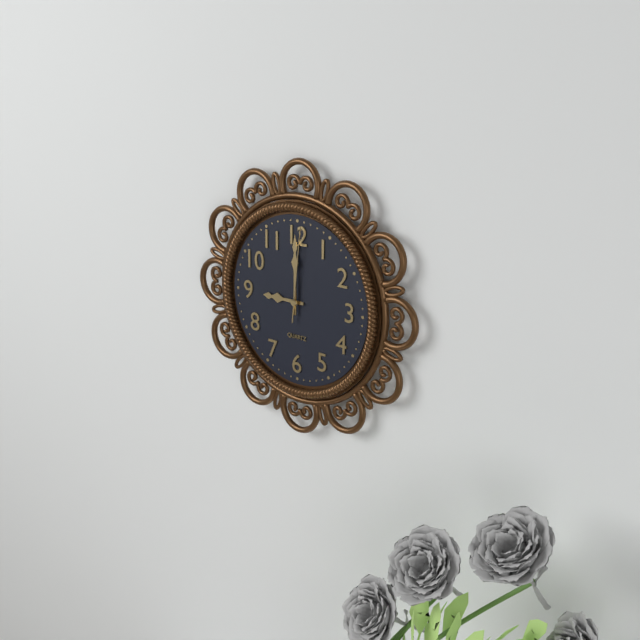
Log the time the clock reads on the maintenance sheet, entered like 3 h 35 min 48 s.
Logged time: 9 h 00 min 01 s
